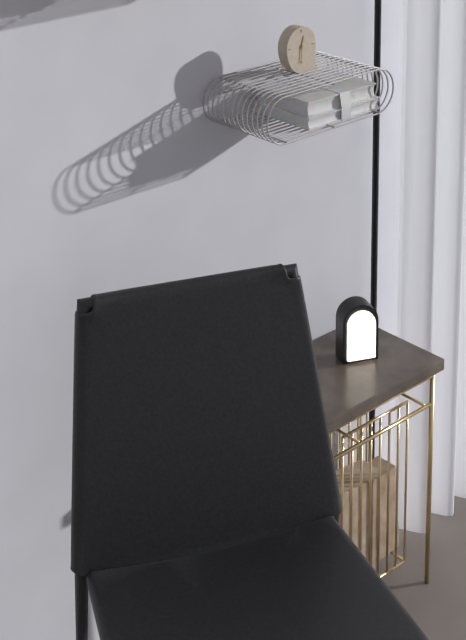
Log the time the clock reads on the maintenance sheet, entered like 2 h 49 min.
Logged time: 12 h 31 min
